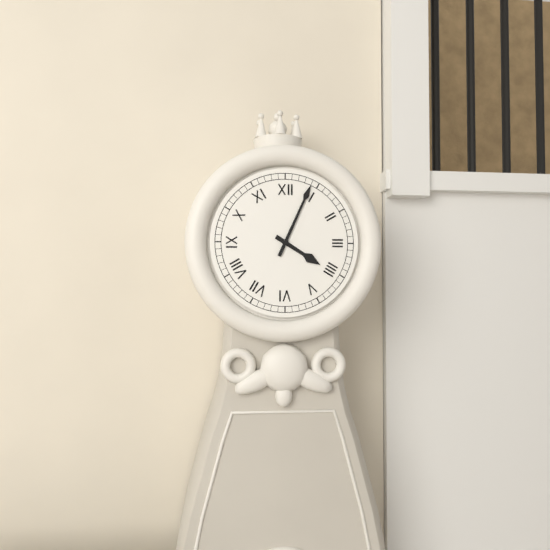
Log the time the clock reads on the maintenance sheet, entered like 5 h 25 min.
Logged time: 4 h 04 min
